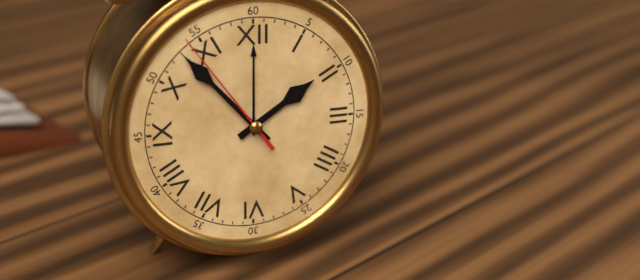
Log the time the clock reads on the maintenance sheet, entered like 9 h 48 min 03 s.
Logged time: 1 h 53 min 54 s
